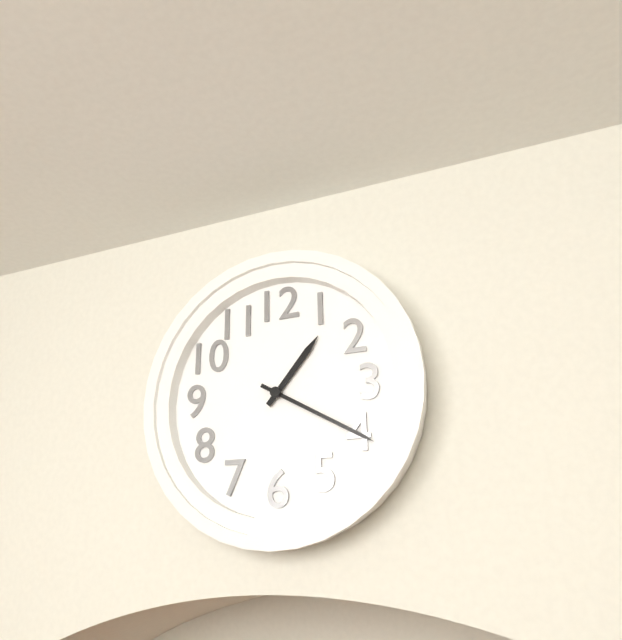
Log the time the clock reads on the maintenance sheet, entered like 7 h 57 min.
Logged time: 1 h 20 min
